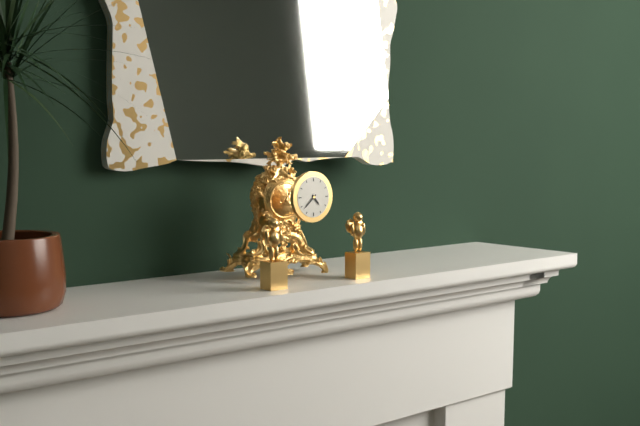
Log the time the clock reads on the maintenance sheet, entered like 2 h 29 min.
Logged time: 4 h 38 min
